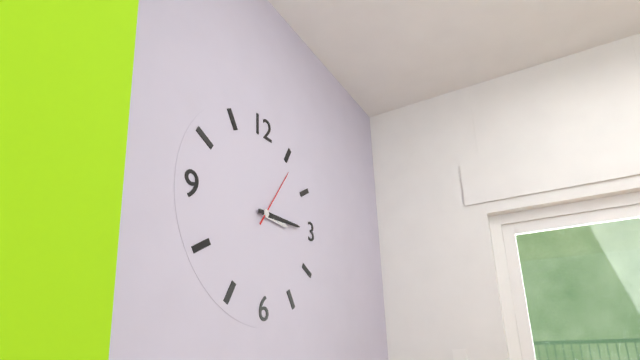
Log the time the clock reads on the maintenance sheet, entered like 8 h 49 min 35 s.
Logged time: 3 h 15 min 06 s
